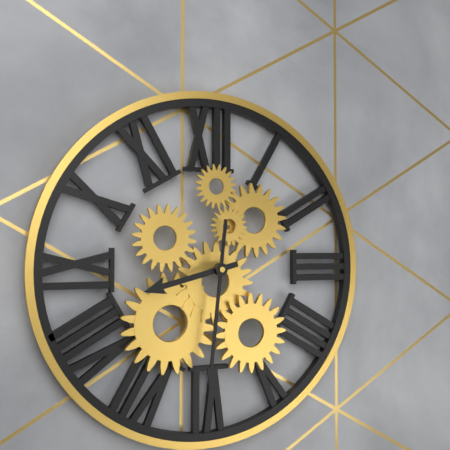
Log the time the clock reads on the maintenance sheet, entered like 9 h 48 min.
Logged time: 8 h 31 min
